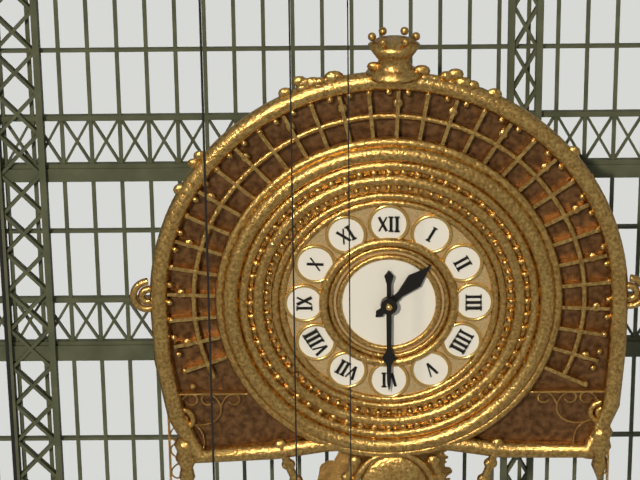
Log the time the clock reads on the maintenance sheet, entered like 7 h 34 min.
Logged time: 1 h 30 min
